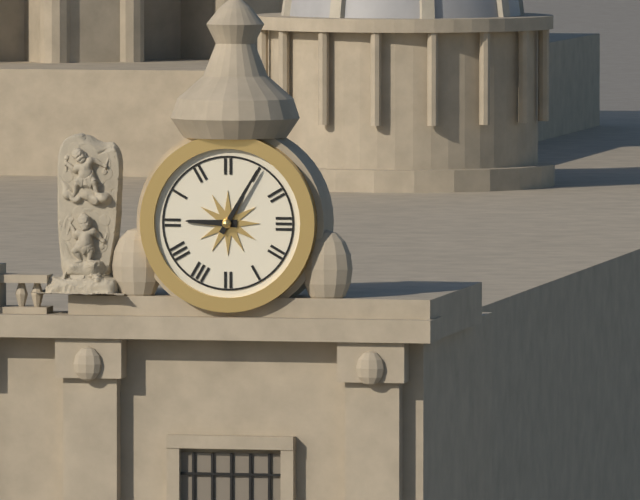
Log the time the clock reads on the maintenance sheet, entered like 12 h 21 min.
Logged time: 9 h 05 min
